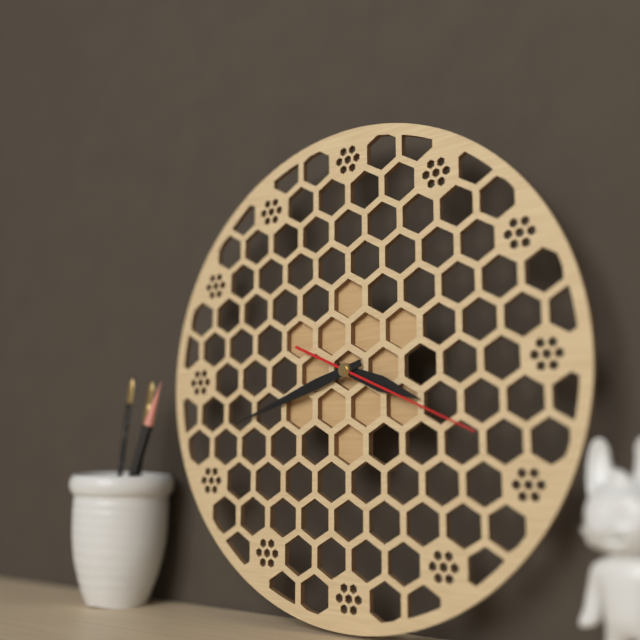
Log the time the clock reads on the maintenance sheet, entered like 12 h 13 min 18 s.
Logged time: 3 h 42 min 19 s
